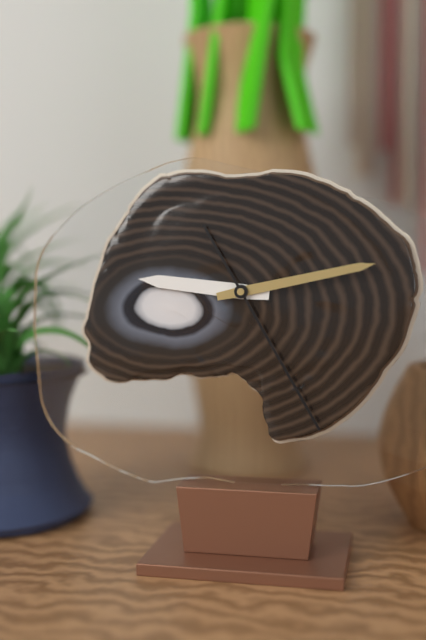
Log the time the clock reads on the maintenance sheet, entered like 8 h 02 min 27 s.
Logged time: 9 h 13 min 25 s
